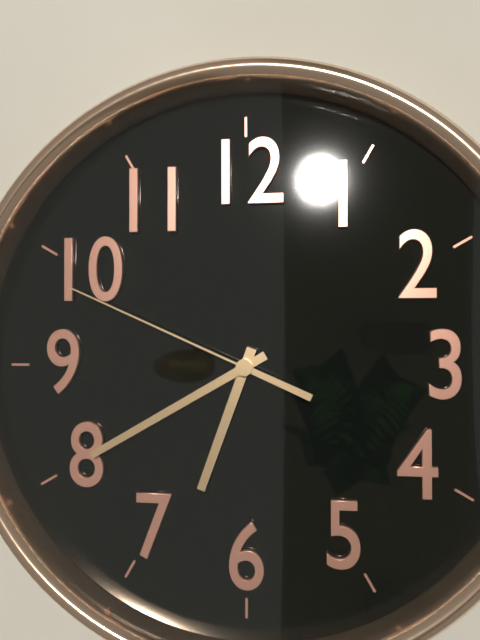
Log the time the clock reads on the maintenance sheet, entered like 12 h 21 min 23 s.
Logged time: 6 h 40 min 49 s
